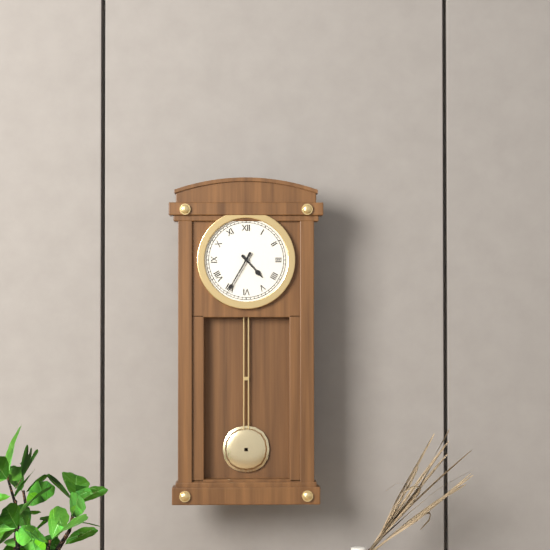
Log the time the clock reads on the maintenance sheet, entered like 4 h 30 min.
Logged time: 4 h 35 min
